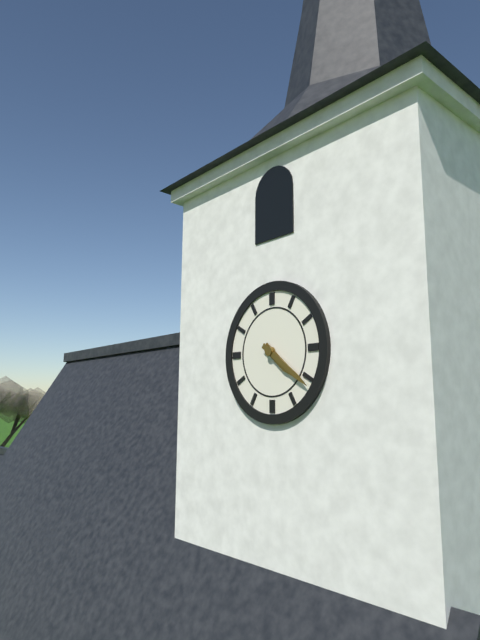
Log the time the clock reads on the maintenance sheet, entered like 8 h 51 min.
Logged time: 4 h 21 min
